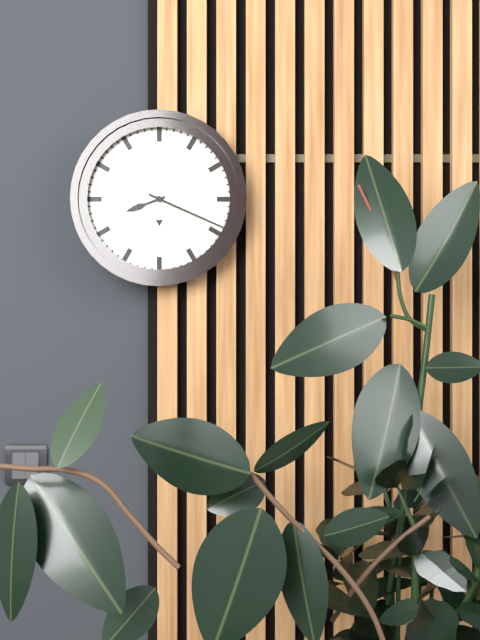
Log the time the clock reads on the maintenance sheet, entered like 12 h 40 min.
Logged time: 8 h 19 min
